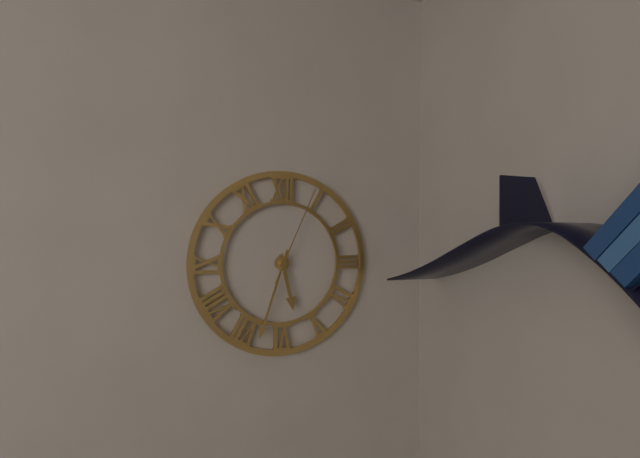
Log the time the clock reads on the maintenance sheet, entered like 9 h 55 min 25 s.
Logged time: 5 h 33 min 04 s
